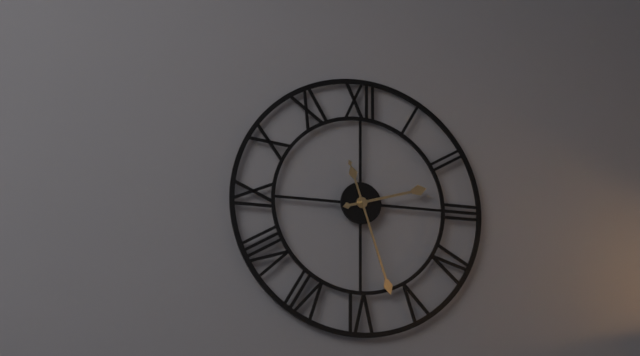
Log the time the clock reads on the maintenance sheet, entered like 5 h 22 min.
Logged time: 2 h 27 min
